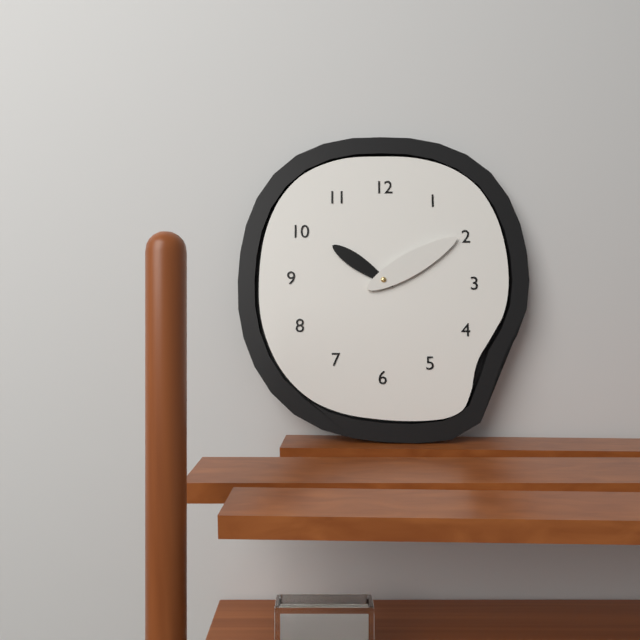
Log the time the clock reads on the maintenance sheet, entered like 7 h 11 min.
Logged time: 10 h 10 min
